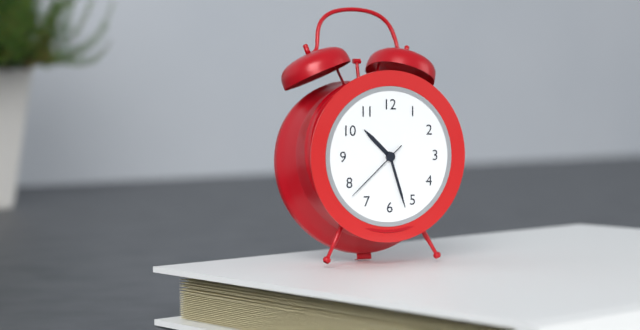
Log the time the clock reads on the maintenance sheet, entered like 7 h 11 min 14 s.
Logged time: 10 h 27 min 38 s
